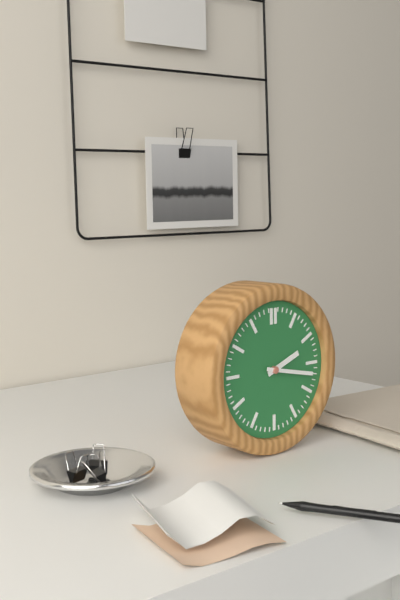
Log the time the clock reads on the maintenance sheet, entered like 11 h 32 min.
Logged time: 2 h 17 min
